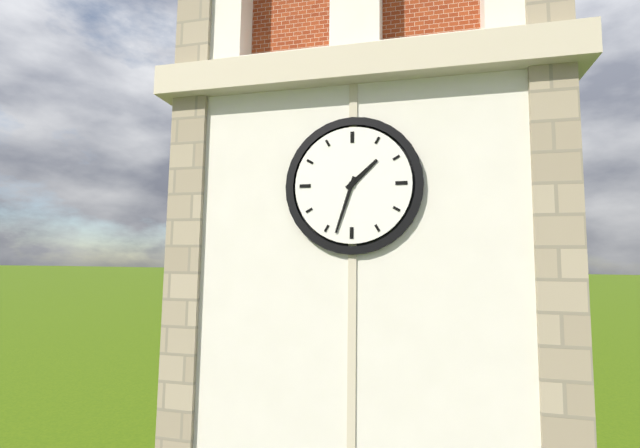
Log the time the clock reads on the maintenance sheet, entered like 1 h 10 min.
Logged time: 1 h 33 min
